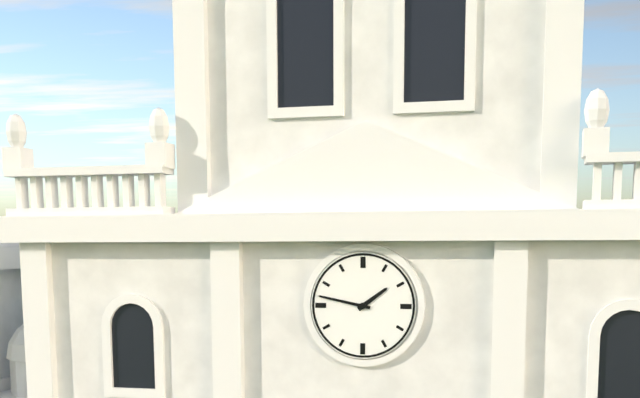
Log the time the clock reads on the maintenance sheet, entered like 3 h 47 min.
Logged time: 1 h 47 min
